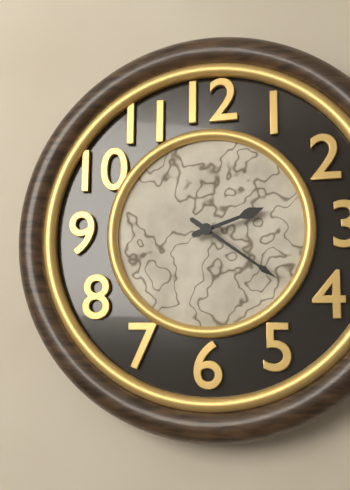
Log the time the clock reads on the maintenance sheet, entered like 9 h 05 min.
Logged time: 2 h 21 min
